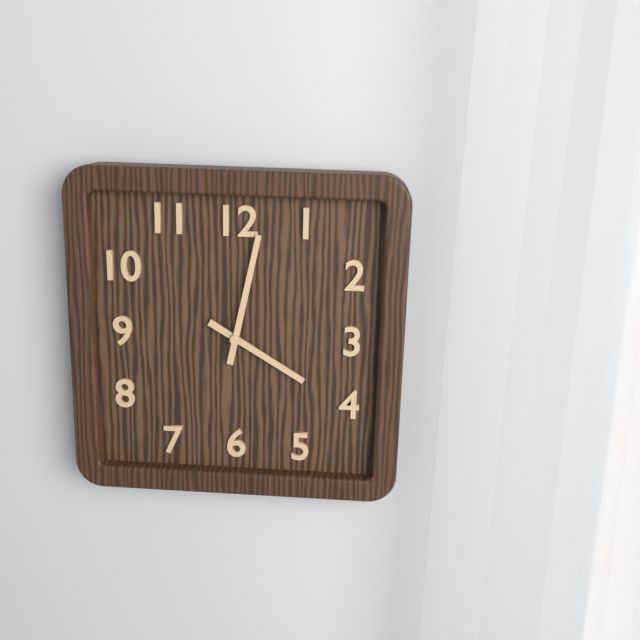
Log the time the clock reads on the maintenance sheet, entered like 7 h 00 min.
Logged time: 4 h 02 min
